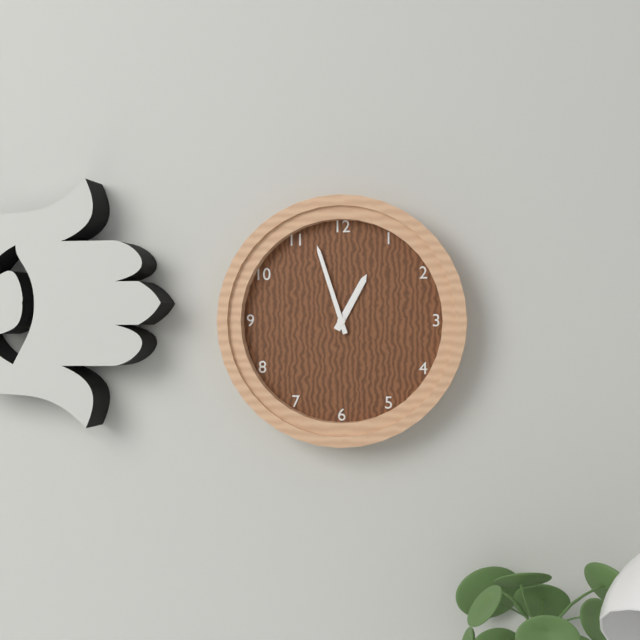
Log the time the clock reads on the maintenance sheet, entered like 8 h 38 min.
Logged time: 12 h 57 min
